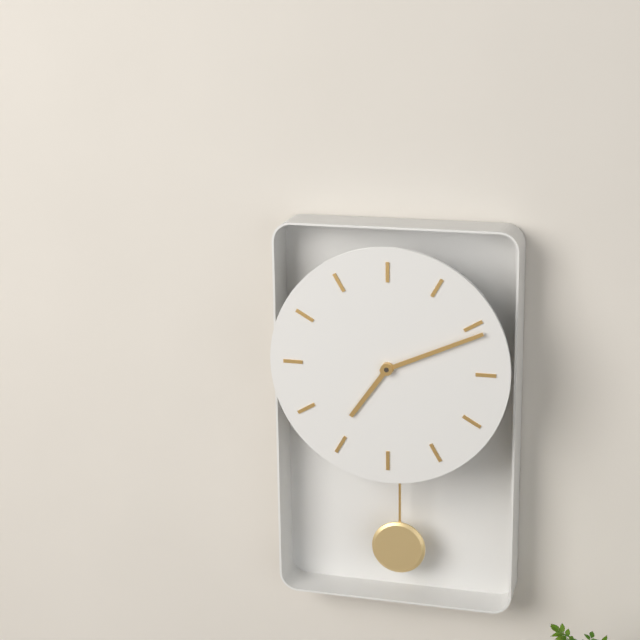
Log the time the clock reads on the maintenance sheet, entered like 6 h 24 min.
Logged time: 7 h 11 min
